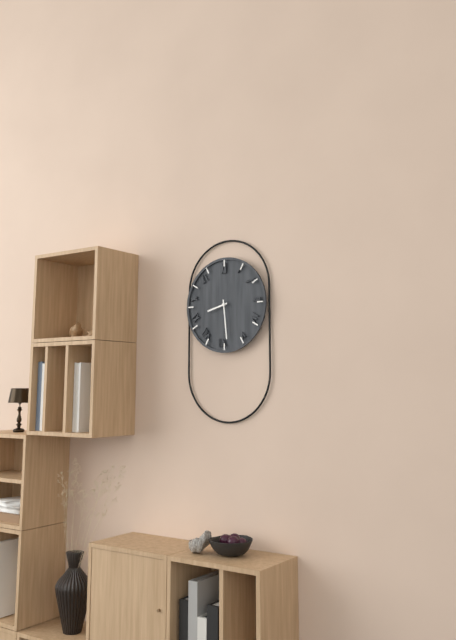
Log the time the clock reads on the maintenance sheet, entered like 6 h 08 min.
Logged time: 8 h 29 min
